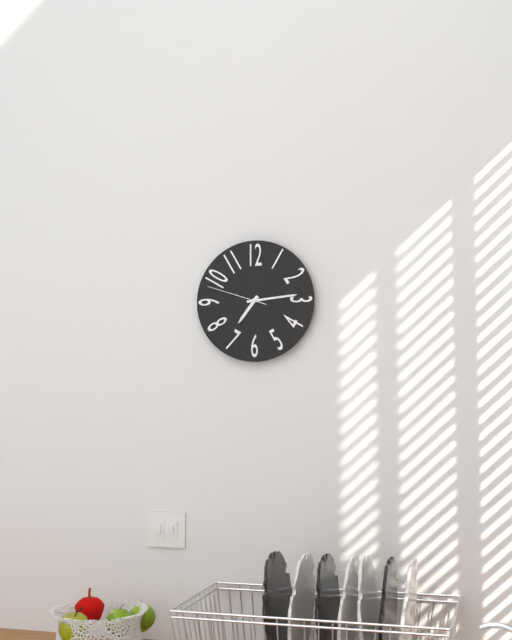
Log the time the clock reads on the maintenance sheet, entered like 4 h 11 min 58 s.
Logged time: 7 h 14 min 48 s
